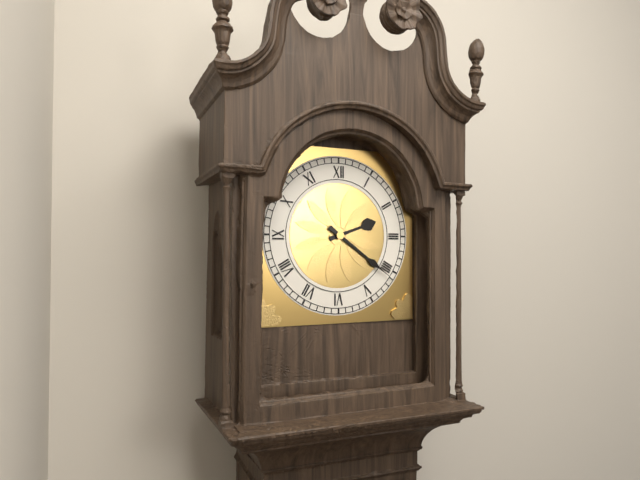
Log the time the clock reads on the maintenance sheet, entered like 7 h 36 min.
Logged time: 2 h 21 min
